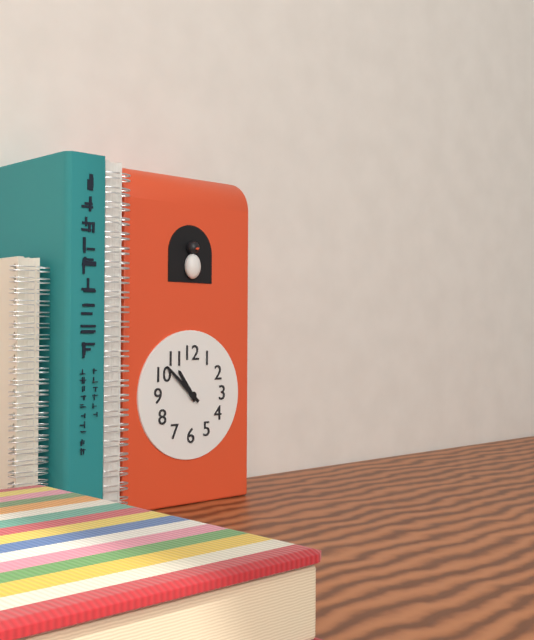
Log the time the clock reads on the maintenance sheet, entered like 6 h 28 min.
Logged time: 10 h 52 min
